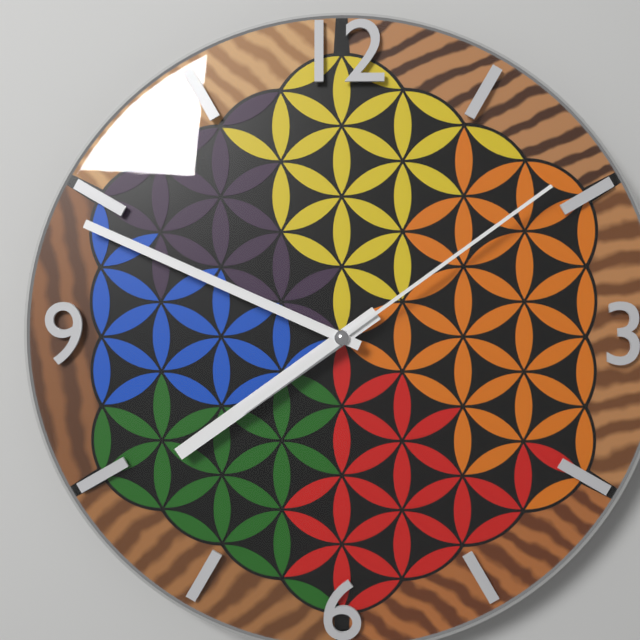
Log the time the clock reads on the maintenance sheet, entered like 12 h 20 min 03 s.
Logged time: 7 h 49 min 09 s
